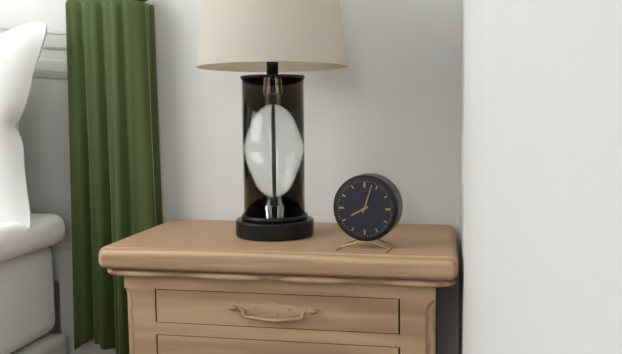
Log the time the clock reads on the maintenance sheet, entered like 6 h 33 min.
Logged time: 8 h 03 min
